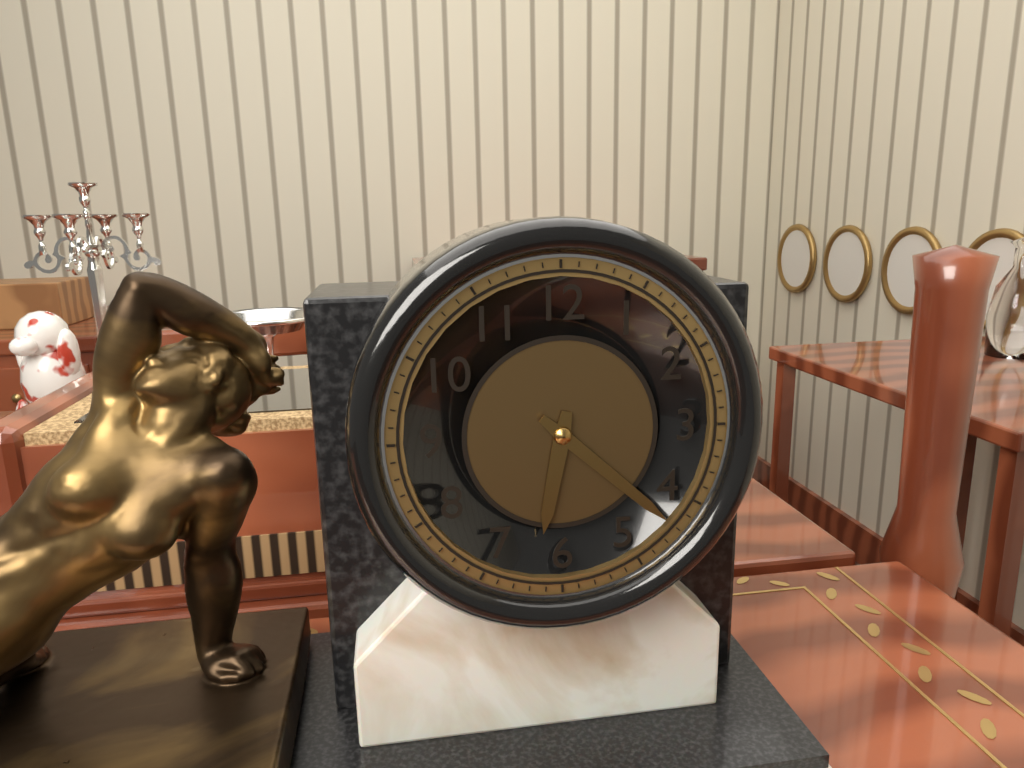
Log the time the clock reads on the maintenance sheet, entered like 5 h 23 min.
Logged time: 6 h 22 min
